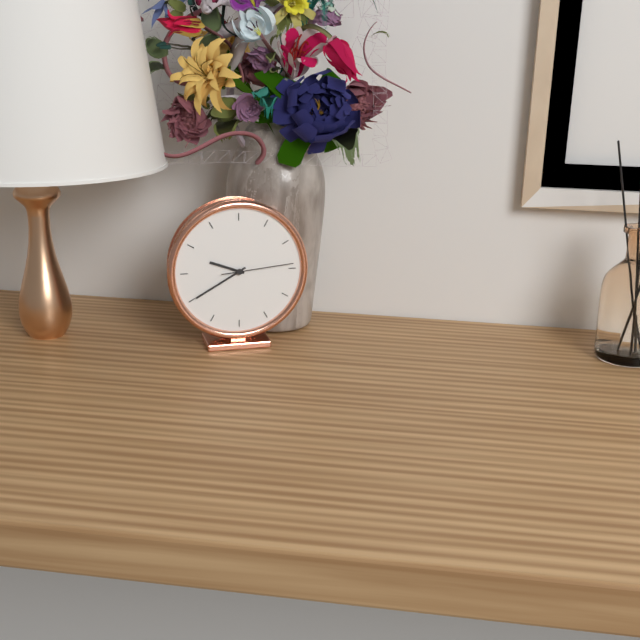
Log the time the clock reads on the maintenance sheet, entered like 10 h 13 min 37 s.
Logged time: 9 h 40 min 14 s
